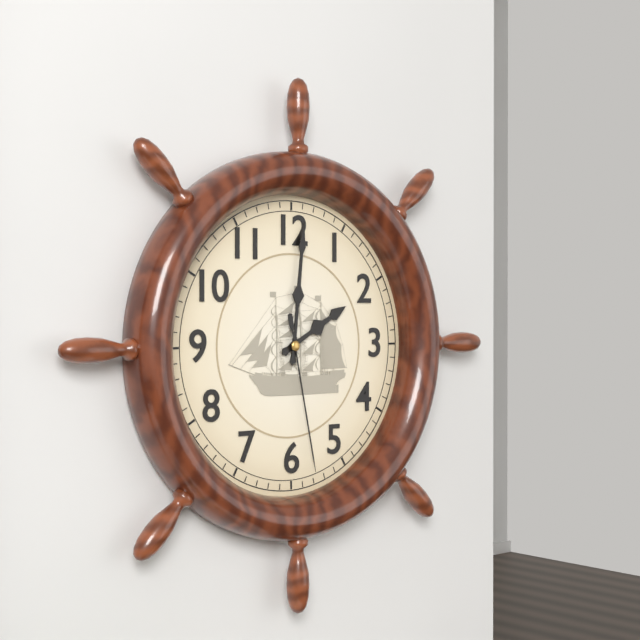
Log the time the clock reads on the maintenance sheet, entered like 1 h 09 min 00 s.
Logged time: 2 h 01 min 28 s
